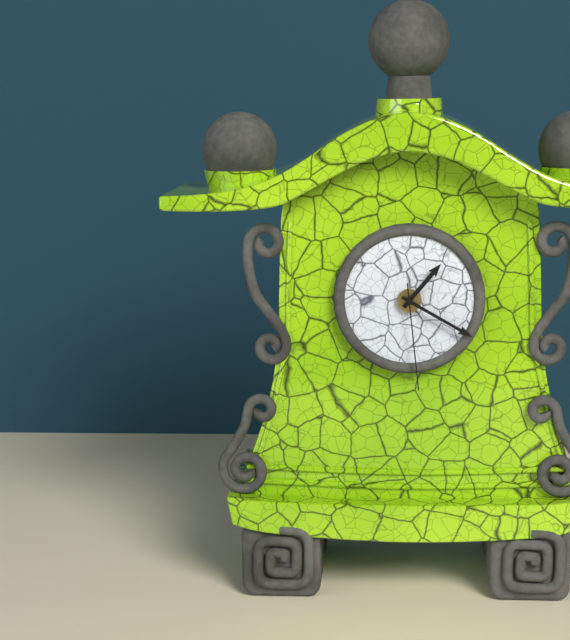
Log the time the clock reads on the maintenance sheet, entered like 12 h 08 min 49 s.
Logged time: 1 h 20 min 29 s
